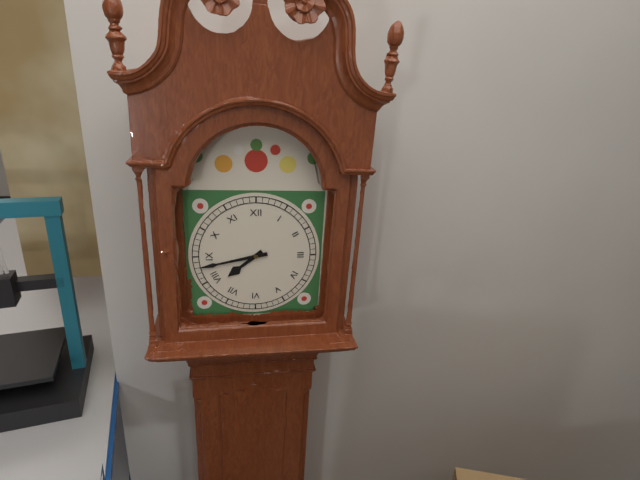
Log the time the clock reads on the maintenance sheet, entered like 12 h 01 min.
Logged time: 7 h 43 min
